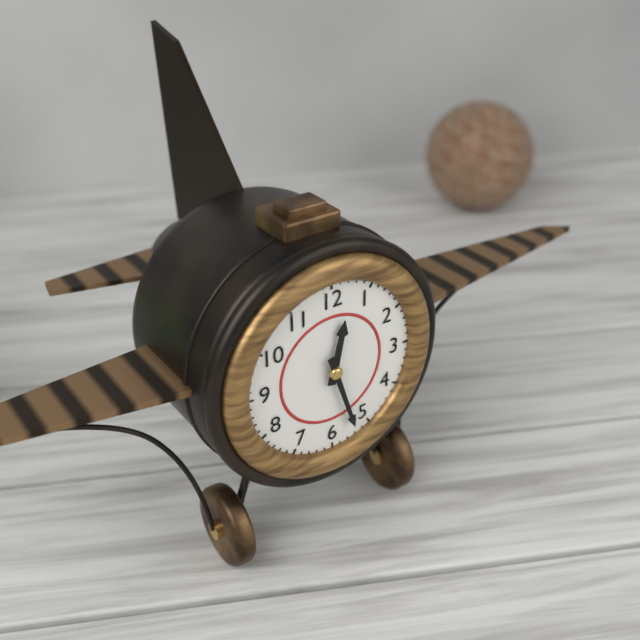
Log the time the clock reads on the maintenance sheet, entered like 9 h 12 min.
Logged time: 12 h 27 min
